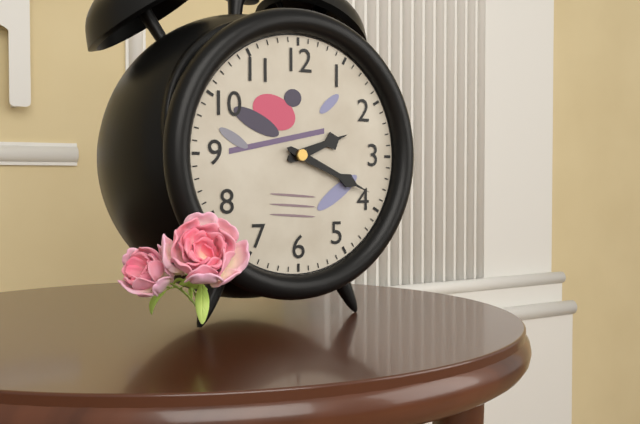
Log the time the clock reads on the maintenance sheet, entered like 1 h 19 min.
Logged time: 2 h 19 min
